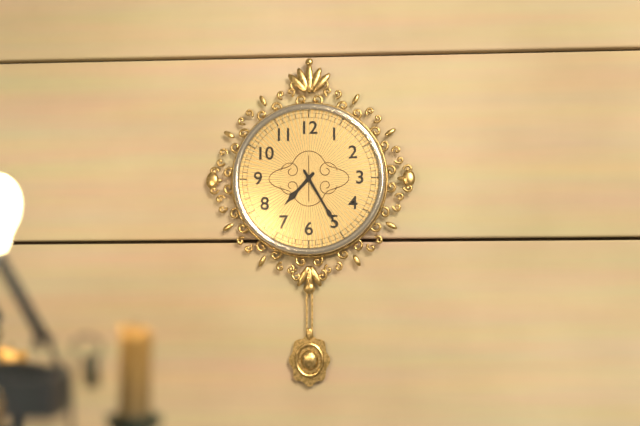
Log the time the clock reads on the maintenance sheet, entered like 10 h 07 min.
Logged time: 7 h 25 min
